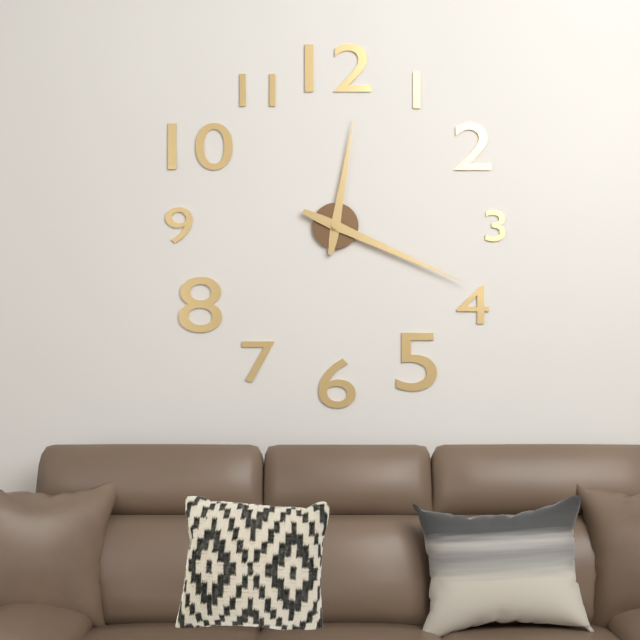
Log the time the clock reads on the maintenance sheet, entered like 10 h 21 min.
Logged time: 12 h 19 min
